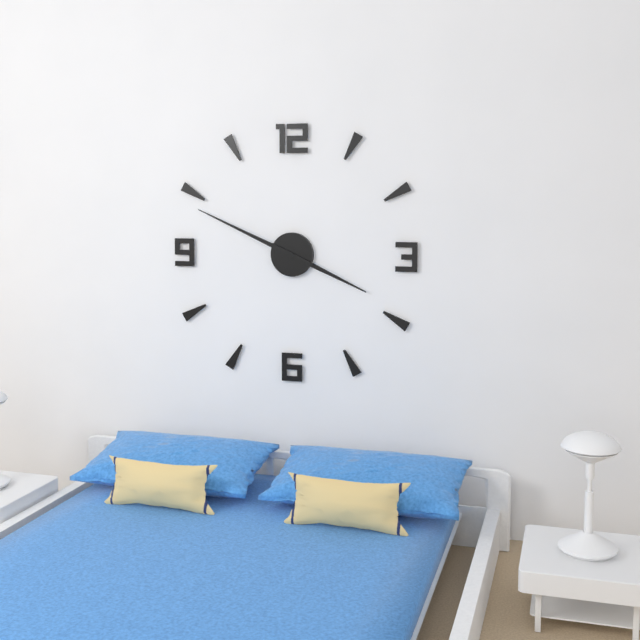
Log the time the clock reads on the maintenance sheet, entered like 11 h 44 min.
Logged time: 3 h 49 min
